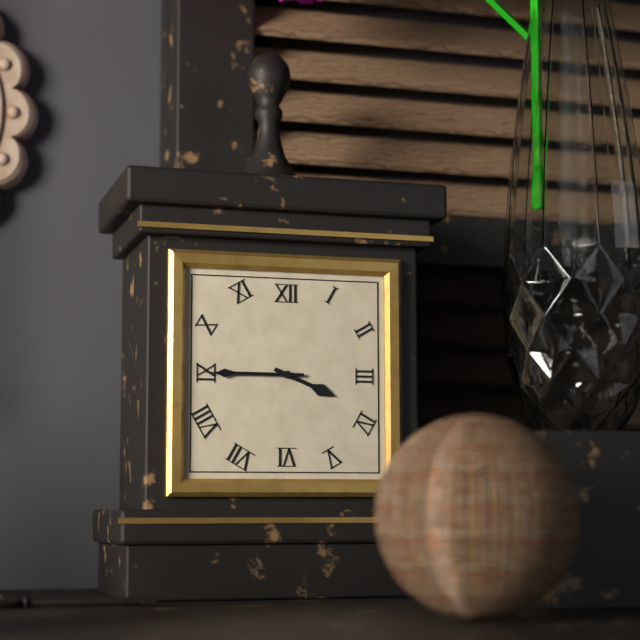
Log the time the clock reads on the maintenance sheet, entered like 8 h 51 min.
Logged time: 3 h 45 min
